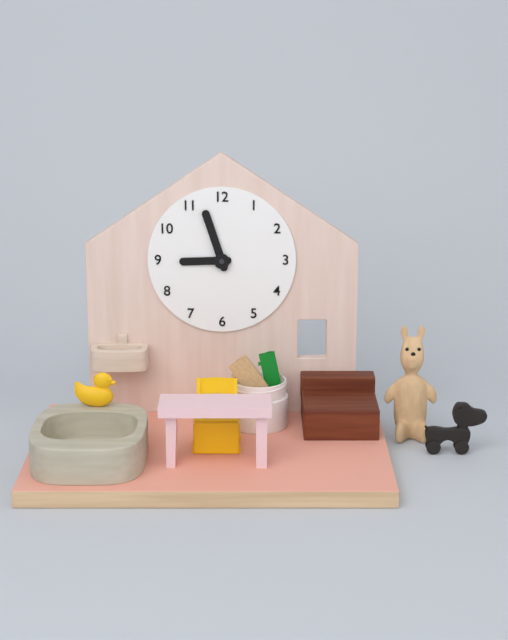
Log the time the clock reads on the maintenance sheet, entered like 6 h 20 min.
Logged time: 8 h 57 min
